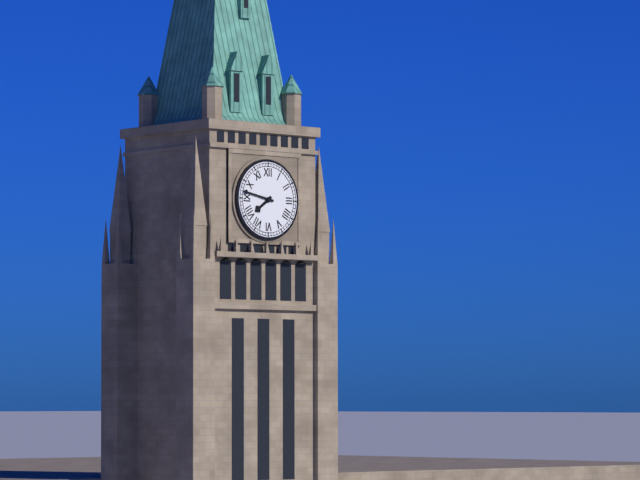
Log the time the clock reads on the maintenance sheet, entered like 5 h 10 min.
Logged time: 7 h 47 min
